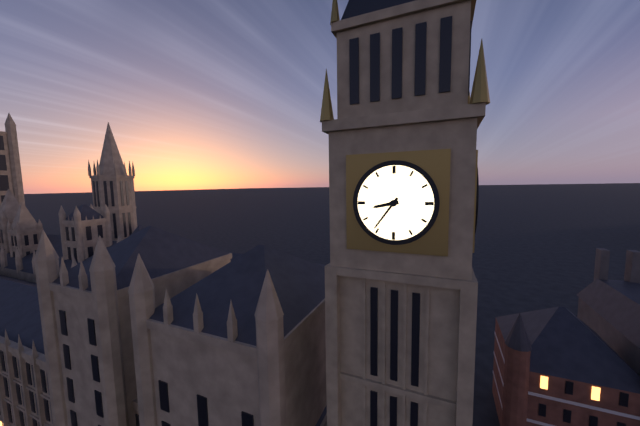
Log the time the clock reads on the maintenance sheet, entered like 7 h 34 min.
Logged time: 8 h 36 min
